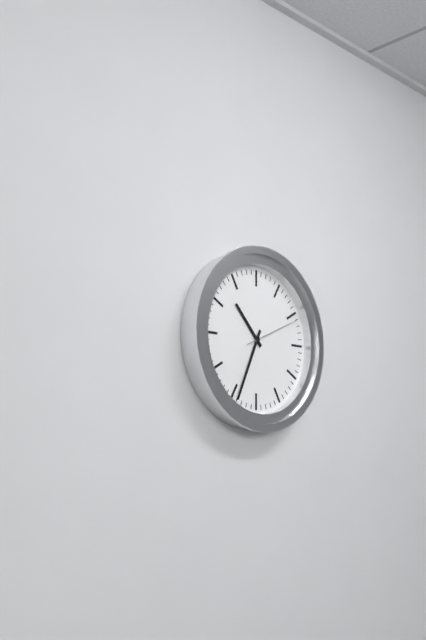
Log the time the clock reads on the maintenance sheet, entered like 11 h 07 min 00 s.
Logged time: 10 h 34 min 11 s
